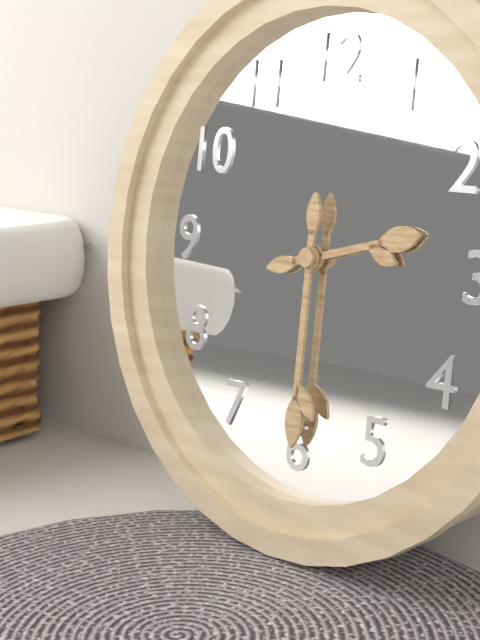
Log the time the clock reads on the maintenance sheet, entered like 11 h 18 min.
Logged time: 2 h 30 min
